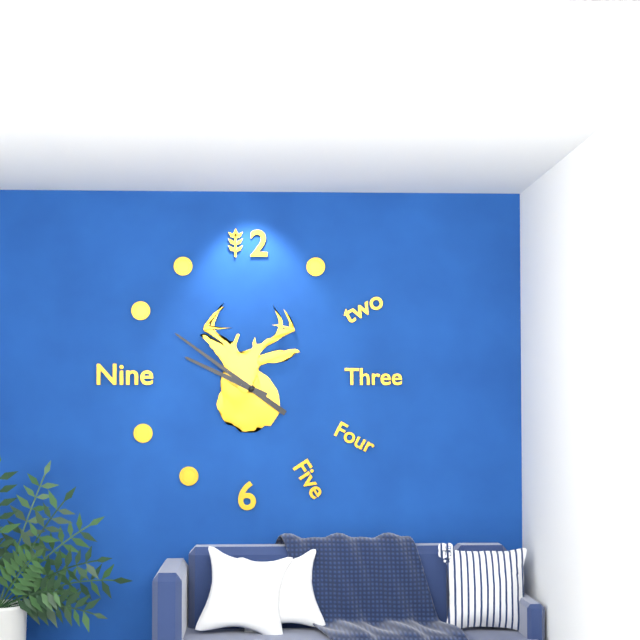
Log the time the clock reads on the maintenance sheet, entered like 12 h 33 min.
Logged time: 9 h 51 min
